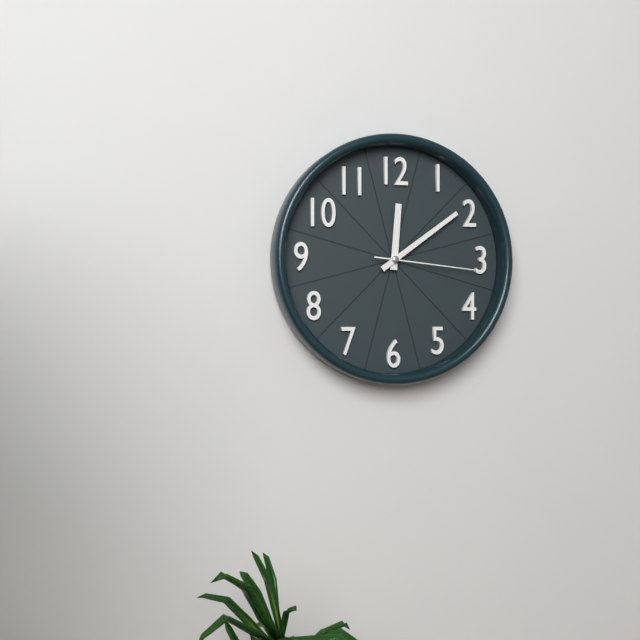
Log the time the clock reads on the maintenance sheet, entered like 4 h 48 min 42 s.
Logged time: 12 h 09 min 16 s
